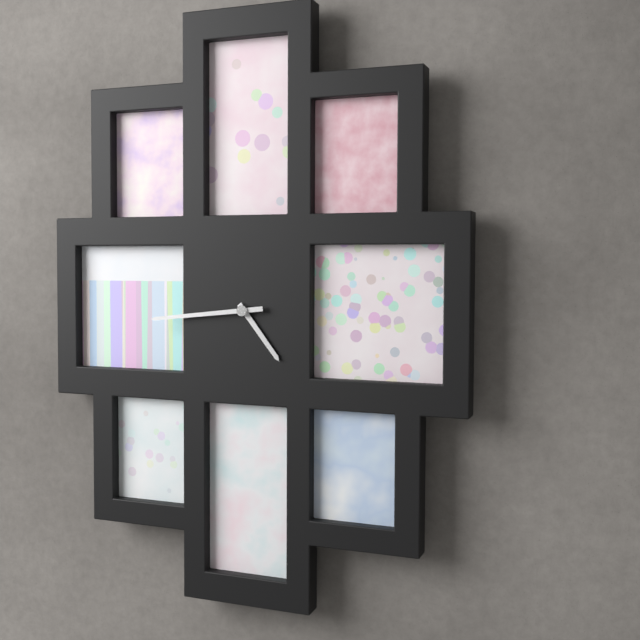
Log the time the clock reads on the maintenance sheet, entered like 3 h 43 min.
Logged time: 4 h 44 min
